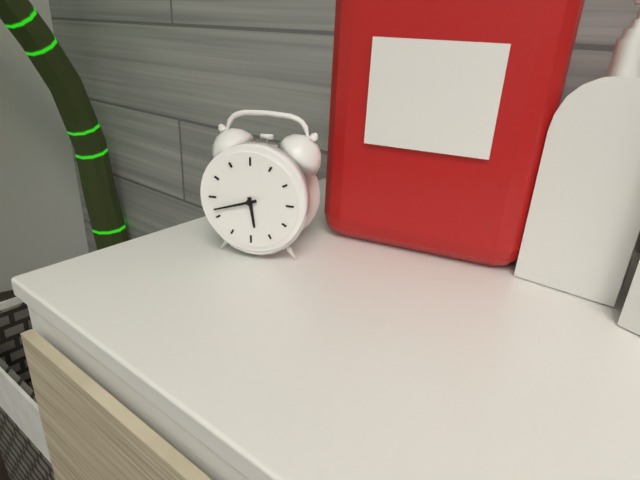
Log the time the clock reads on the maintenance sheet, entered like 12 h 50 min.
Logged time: 5 h 42 min
